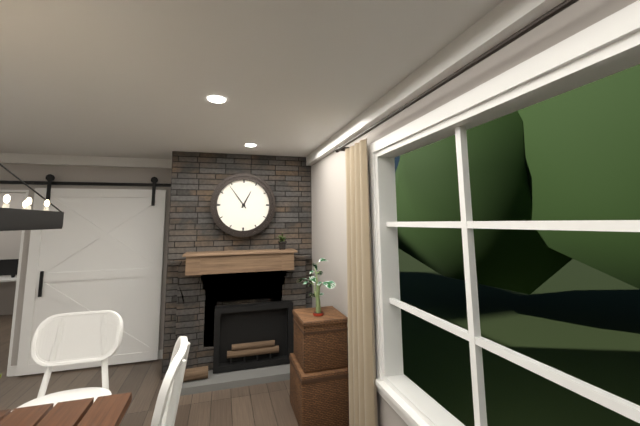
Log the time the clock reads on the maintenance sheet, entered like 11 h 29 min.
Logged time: 12 h 54 min
